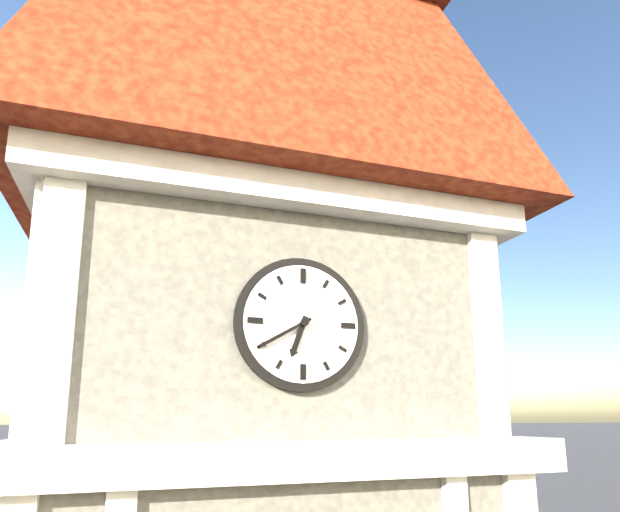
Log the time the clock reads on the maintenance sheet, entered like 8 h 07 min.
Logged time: 6 h 40 min
